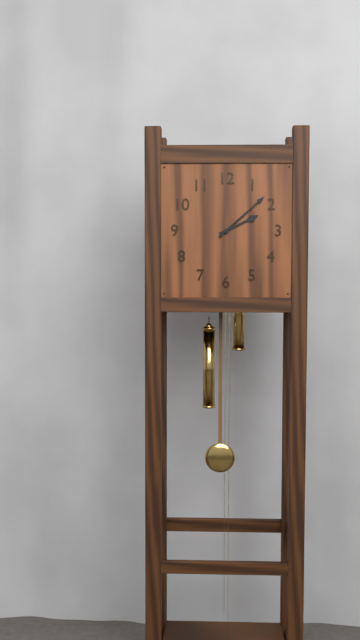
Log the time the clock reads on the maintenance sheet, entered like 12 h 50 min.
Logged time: 2 h 08 min
